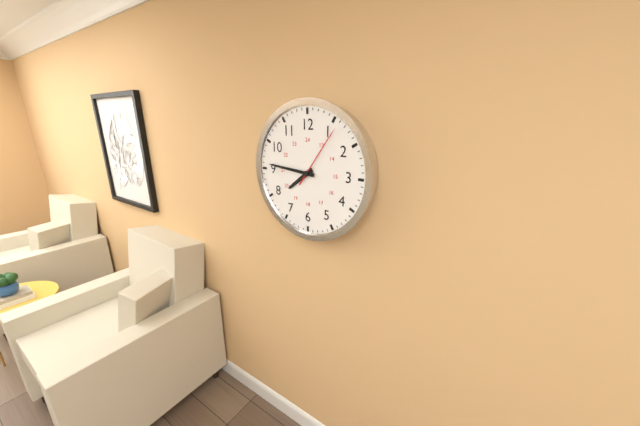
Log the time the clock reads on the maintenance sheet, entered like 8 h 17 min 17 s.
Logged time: 7 h 46 min 06 s
